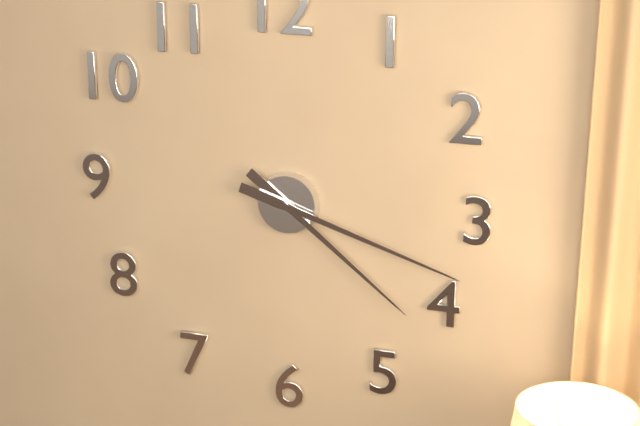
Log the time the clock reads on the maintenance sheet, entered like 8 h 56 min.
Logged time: 4 h 18 min
